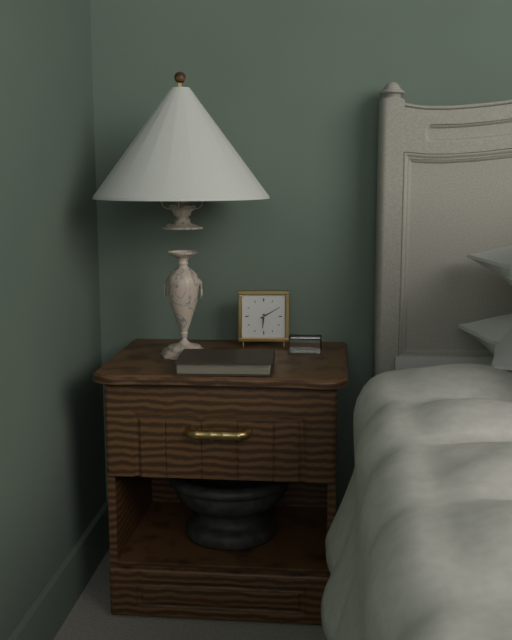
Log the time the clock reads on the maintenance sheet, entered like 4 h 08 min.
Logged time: 6 h 10 min
